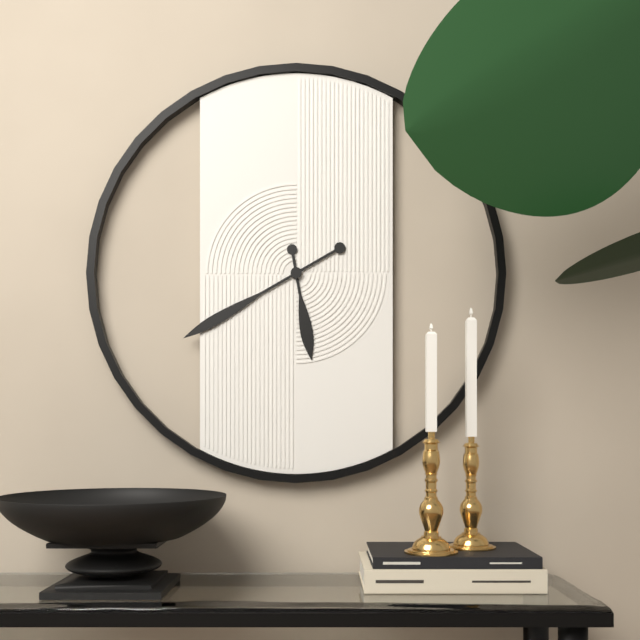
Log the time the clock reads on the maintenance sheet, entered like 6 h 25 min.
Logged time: 5 h 40 min
